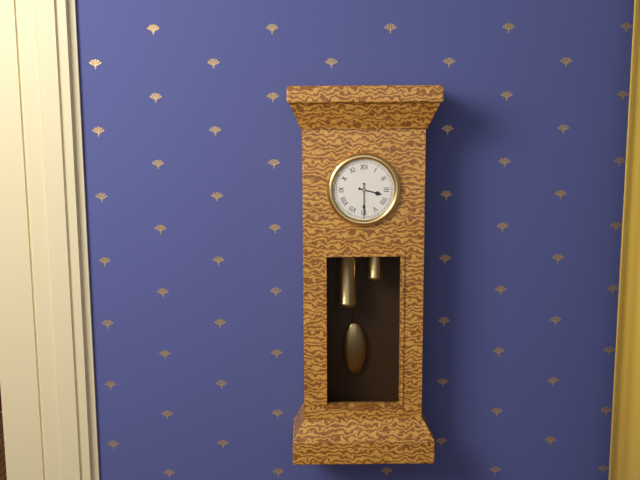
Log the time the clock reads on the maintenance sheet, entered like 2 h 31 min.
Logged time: 3 h 30 min
